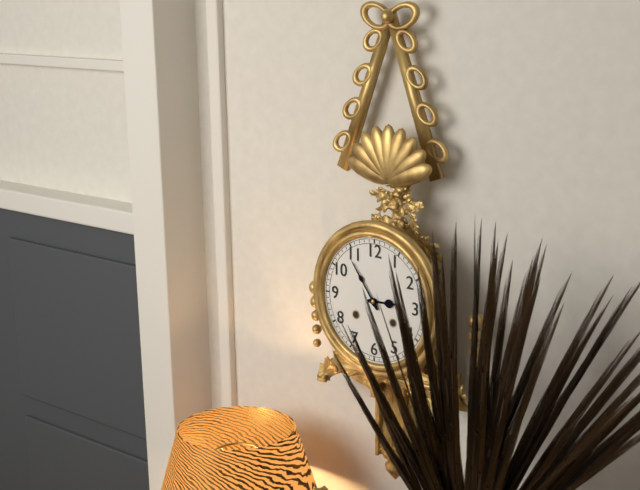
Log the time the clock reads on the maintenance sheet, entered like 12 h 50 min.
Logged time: 2 h 54 min
